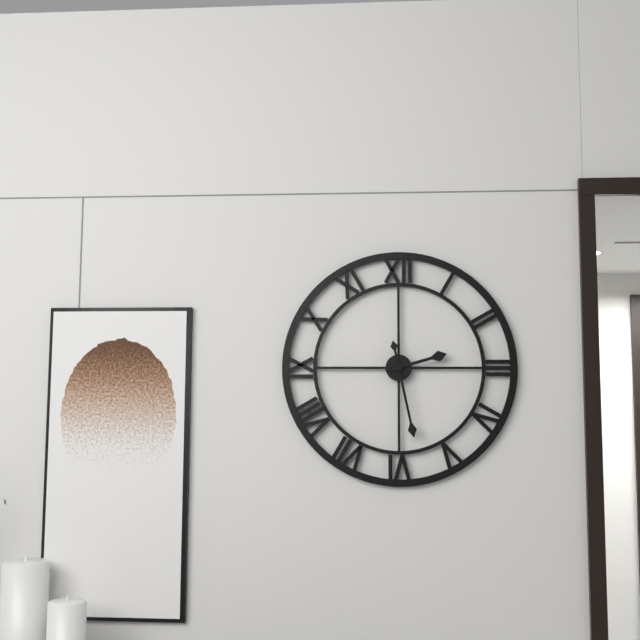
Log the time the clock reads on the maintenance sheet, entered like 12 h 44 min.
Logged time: 2 h 28 min
